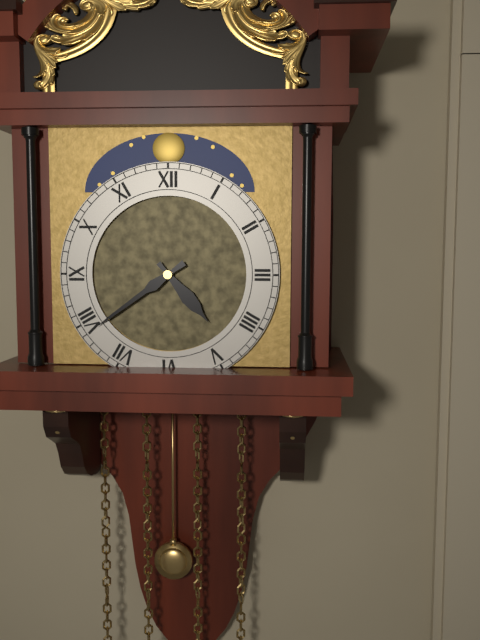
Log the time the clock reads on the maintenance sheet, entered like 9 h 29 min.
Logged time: 4 h 39 min
